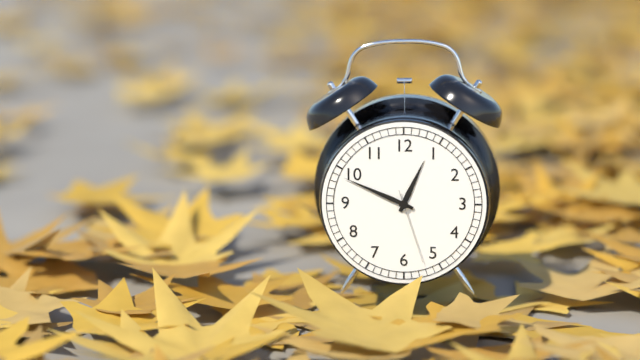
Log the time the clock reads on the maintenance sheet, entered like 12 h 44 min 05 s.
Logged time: 12 h 49 min 27 s
